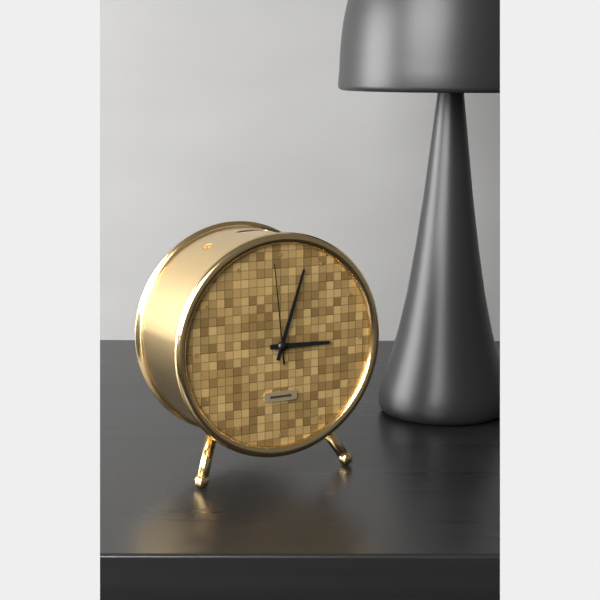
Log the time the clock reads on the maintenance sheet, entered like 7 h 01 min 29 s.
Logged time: 3 h 03 min 59 s
